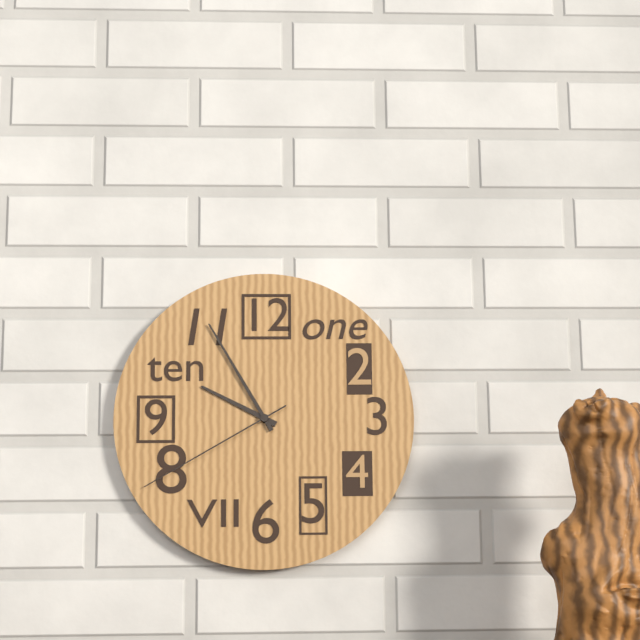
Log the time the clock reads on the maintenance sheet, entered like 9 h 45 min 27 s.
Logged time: 9 h 55 min 40 s
